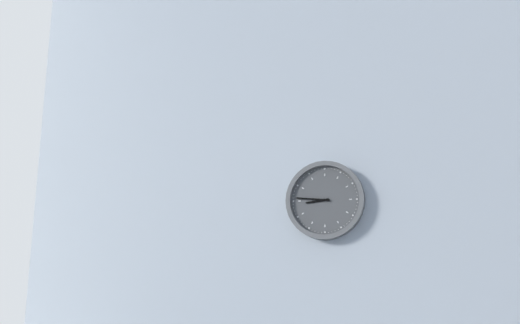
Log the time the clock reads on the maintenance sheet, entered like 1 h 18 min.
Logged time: 8 h 46 min
